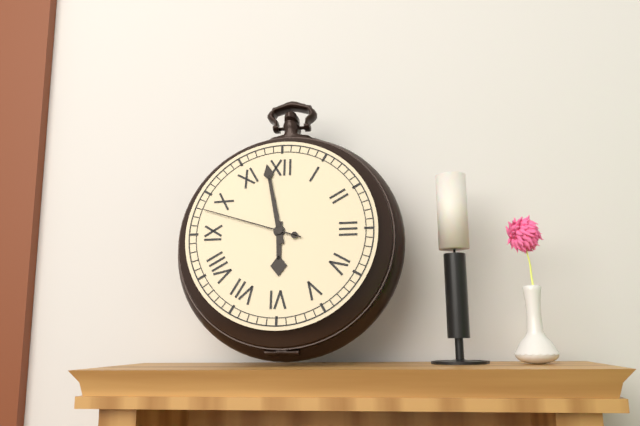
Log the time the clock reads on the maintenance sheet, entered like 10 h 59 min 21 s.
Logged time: 5 h 58 min 48 s
